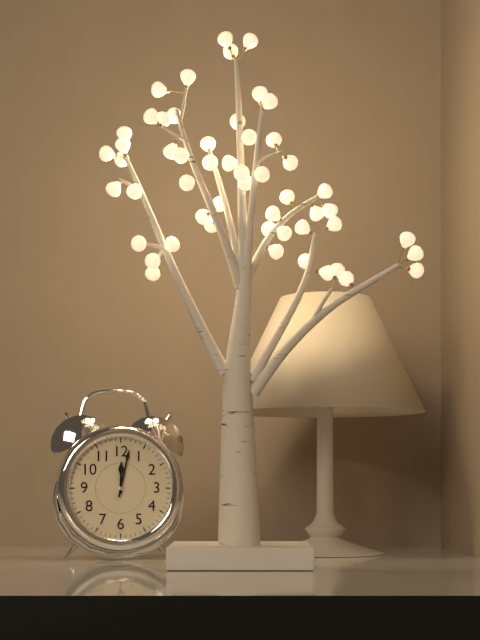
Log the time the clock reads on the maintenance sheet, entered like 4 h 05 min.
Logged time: 12 h 02 min
